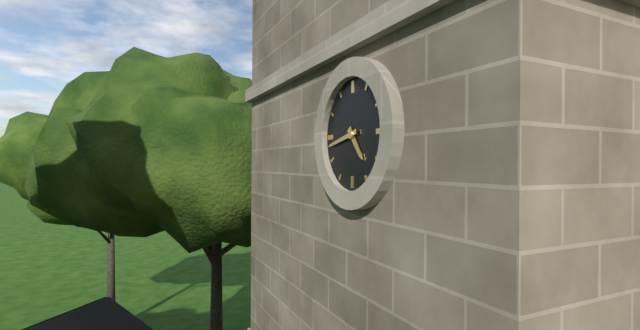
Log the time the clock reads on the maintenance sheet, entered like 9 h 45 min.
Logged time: 4 h 43 min
